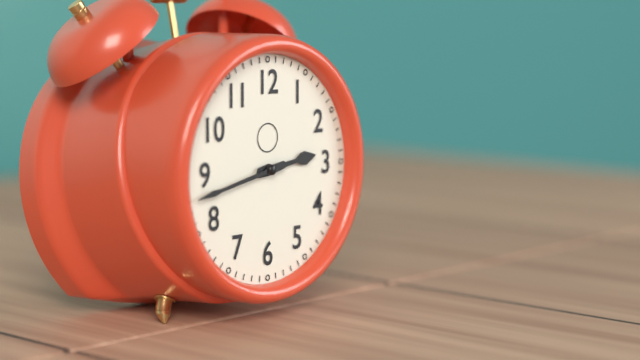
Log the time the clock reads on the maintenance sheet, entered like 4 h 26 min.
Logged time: 2 h 43 min
